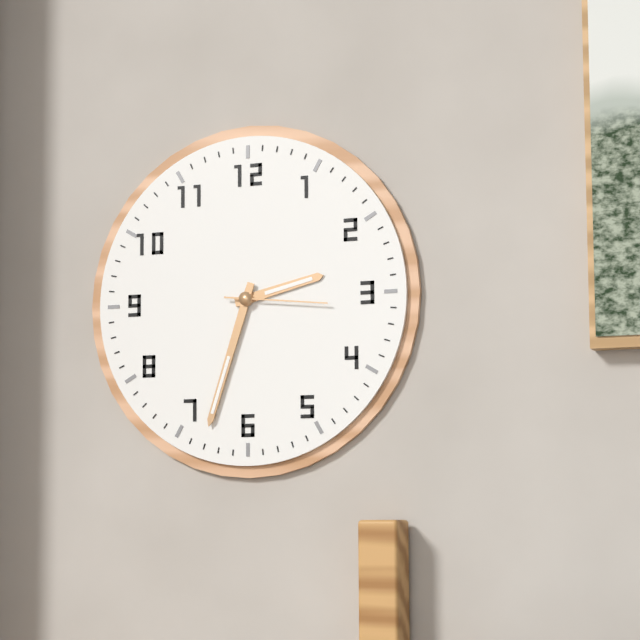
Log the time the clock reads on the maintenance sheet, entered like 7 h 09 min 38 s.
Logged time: 2 h 33 min 16 s
